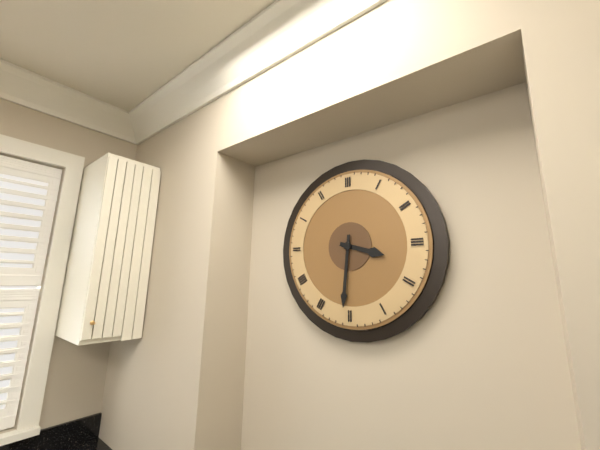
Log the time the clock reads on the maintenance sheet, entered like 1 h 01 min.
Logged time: 3 h 31 min
